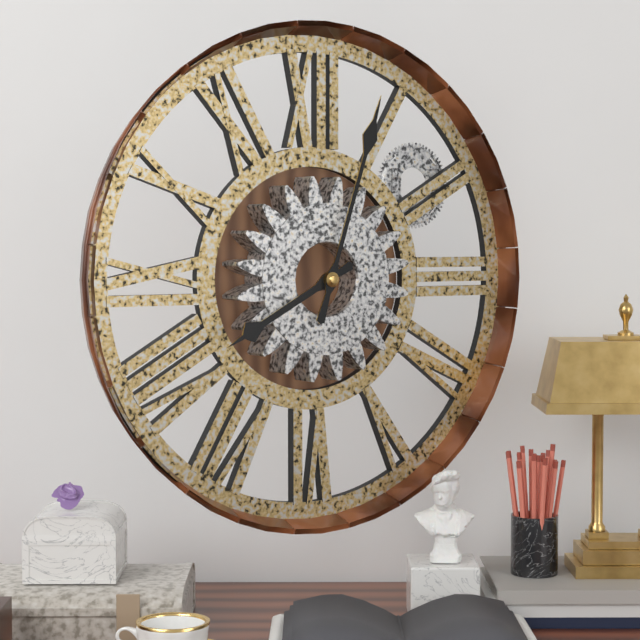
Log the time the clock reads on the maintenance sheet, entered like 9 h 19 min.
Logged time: 8 h 03 min
